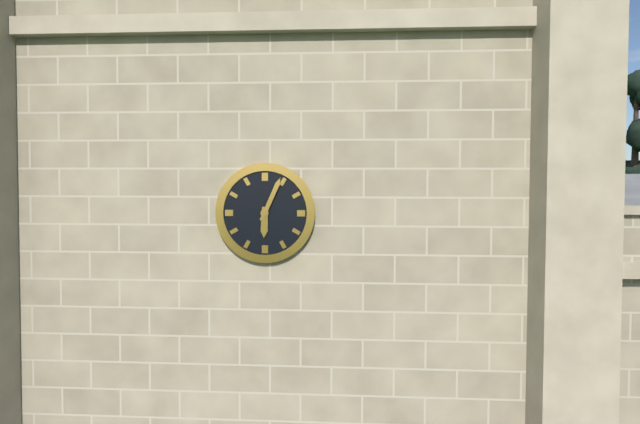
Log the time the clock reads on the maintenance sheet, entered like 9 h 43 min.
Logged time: 6 h 04 min
